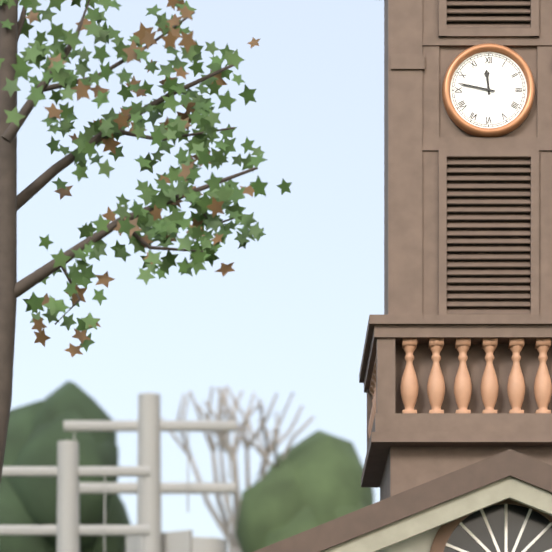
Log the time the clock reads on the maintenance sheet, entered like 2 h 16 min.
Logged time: 11 h 47 min
